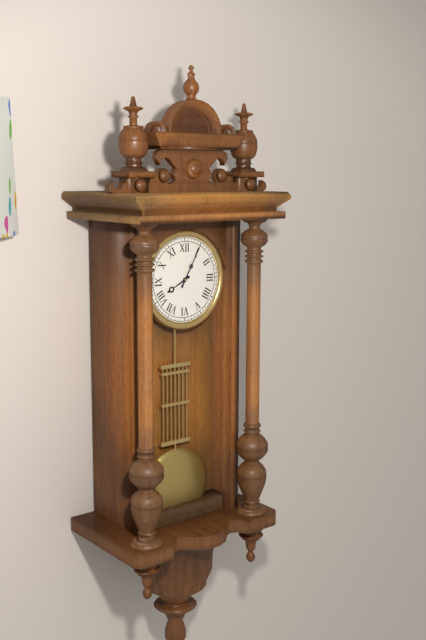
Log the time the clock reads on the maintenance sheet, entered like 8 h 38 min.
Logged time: 8 h 05 min
